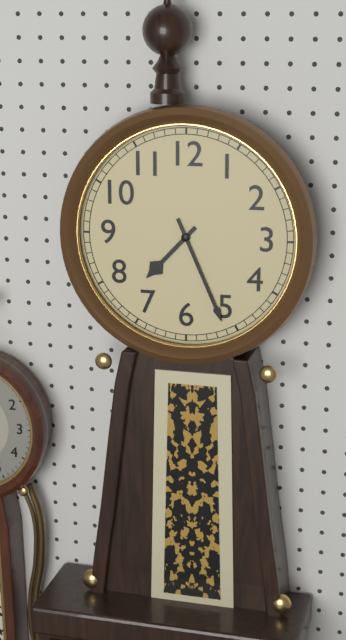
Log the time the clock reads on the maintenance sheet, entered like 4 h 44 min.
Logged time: 7 h 26 min
